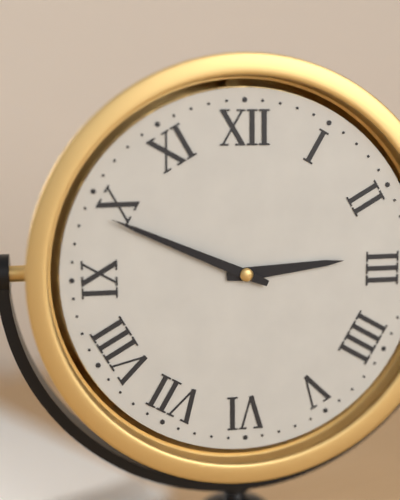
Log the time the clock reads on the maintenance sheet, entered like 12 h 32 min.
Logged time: 2 h 49 min
